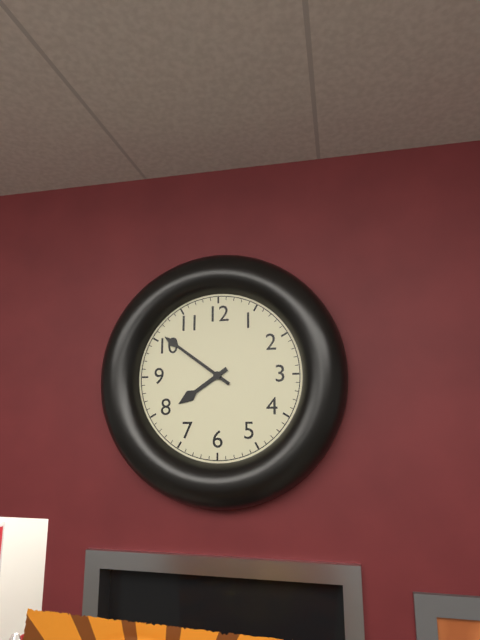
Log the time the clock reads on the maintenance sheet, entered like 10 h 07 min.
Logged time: 7 h 51 min
